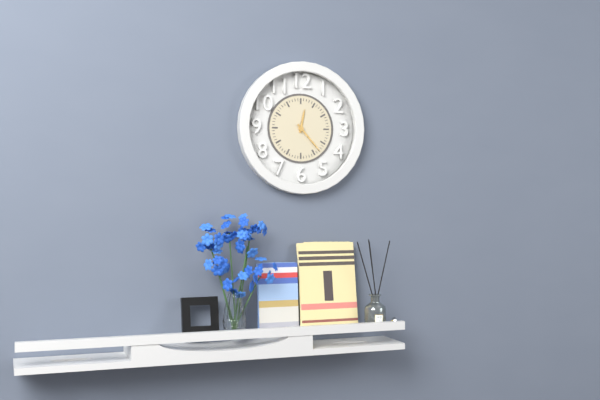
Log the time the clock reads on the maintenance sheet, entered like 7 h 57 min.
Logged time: 12 h 23 min
